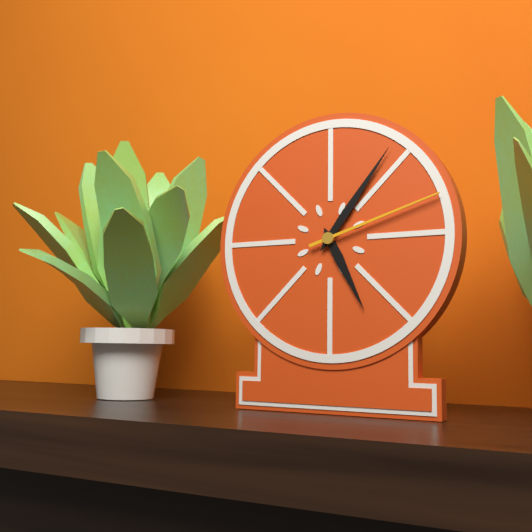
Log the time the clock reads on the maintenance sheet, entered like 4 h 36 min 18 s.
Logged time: 5 h 06 min 12 s
